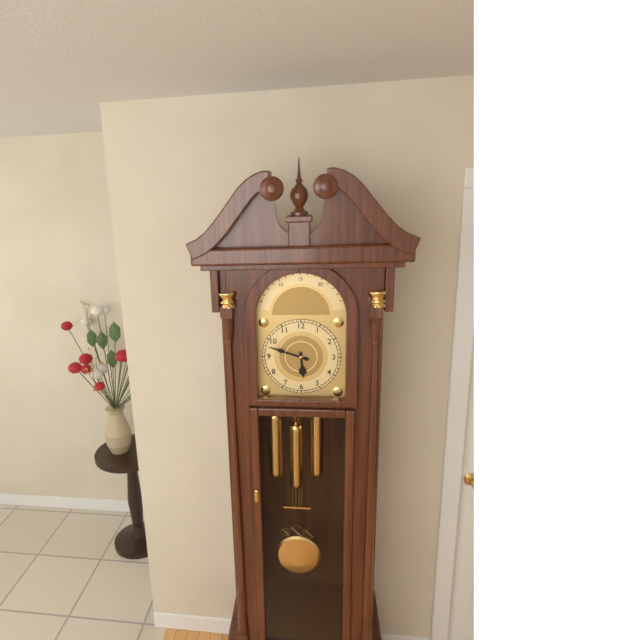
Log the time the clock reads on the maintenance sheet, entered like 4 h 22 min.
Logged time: 5 h 48 min
